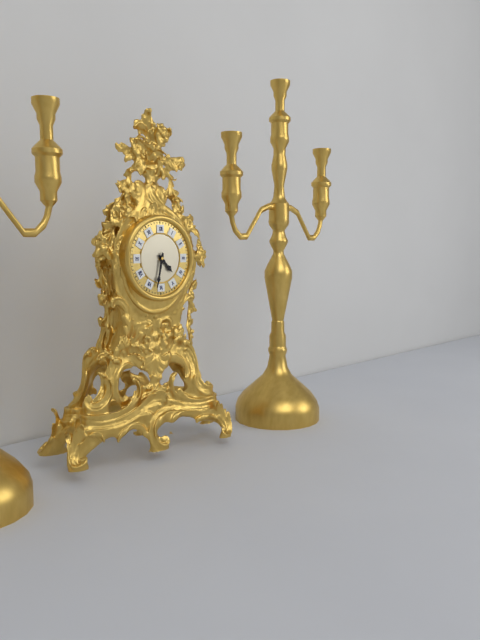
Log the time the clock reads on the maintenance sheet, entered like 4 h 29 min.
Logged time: 4 h 32 min
